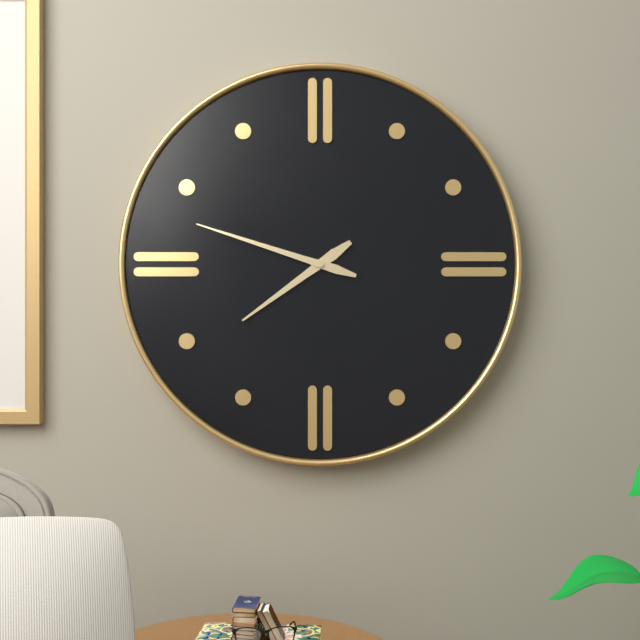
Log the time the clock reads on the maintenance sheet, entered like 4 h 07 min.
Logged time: 7 h 48 min
